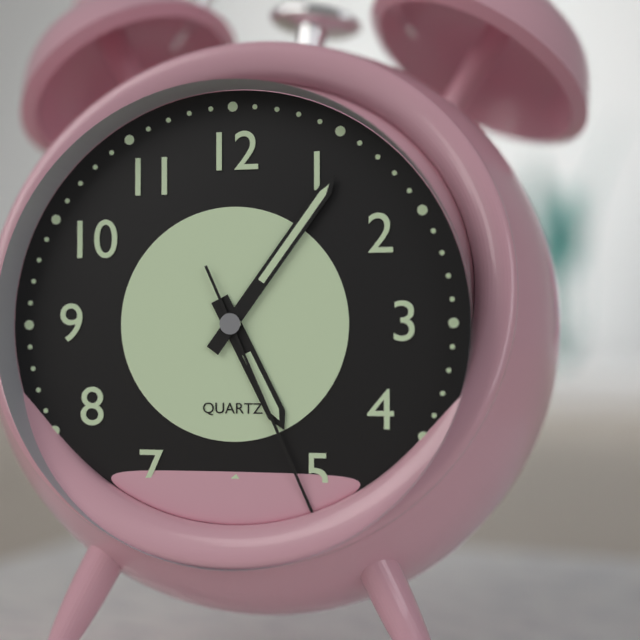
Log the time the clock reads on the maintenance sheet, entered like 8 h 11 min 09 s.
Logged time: 5 h 06 min 26 s
